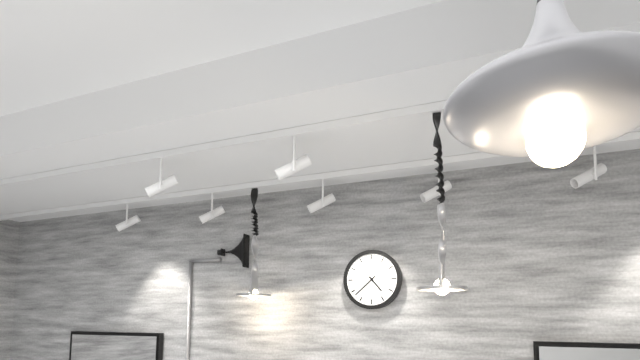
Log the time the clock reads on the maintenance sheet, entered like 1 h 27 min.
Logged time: 4 h 38 min
